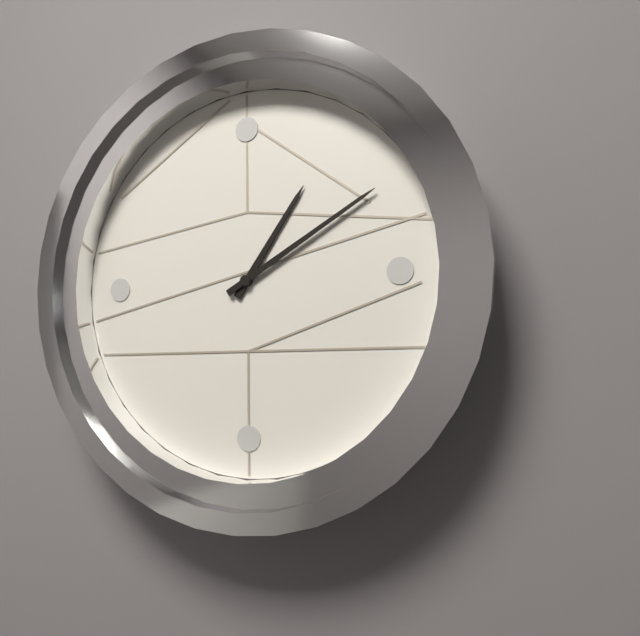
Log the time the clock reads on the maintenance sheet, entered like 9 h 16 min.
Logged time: 1 h 10 min
